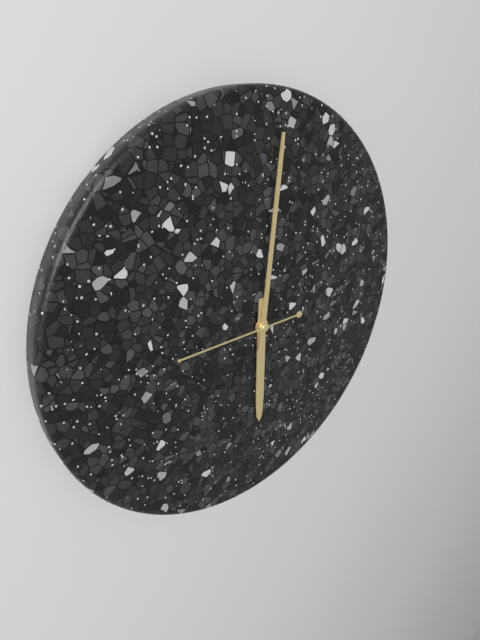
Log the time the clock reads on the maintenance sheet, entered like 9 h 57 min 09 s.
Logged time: 6 h 01 min 45 s
